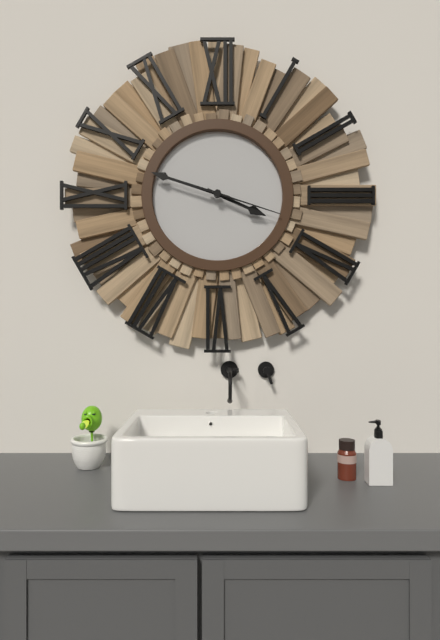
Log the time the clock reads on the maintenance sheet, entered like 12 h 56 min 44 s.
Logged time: 3 h 48 min 18 s
